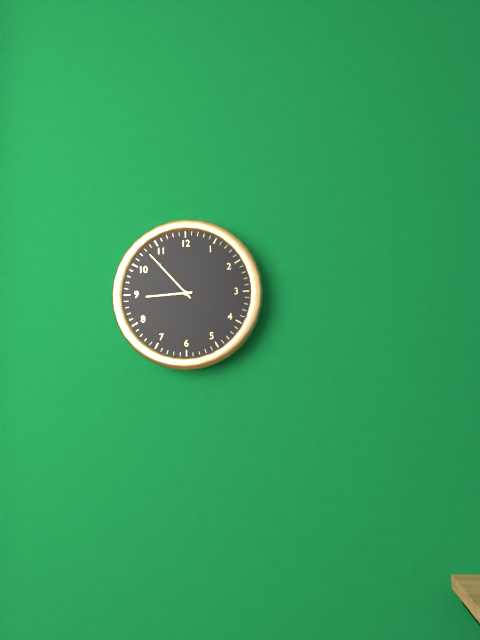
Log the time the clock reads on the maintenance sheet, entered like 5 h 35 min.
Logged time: 8 h 53 min
